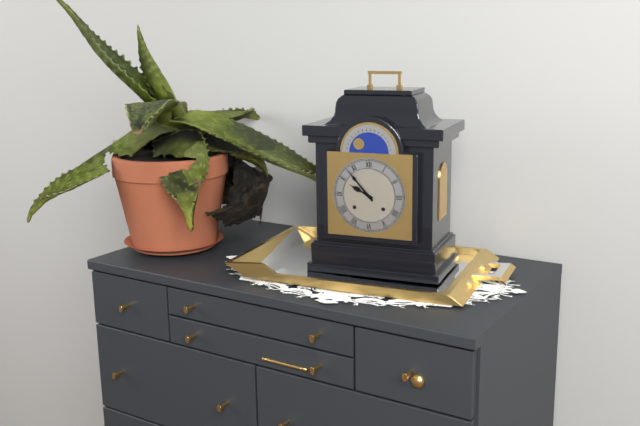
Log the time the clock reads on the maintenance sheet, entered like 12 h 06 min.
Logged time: 9 h 53 min
